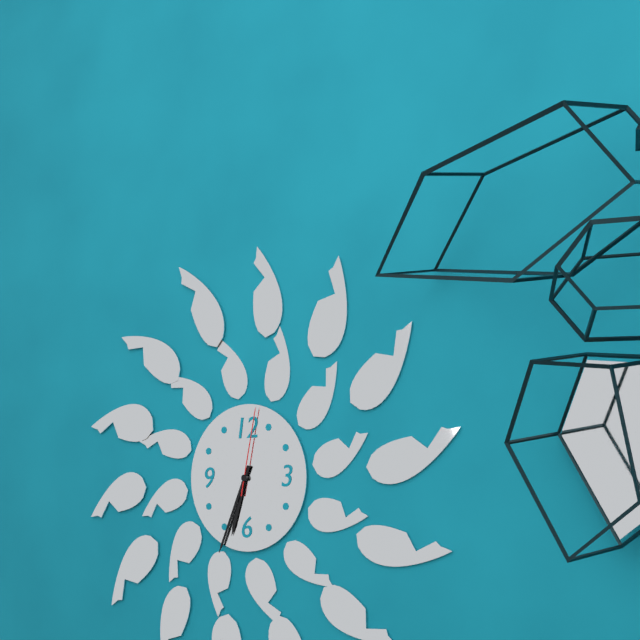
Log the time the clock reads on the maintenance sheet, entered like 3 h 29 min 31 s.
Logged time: 6 h 34 min 02 s
